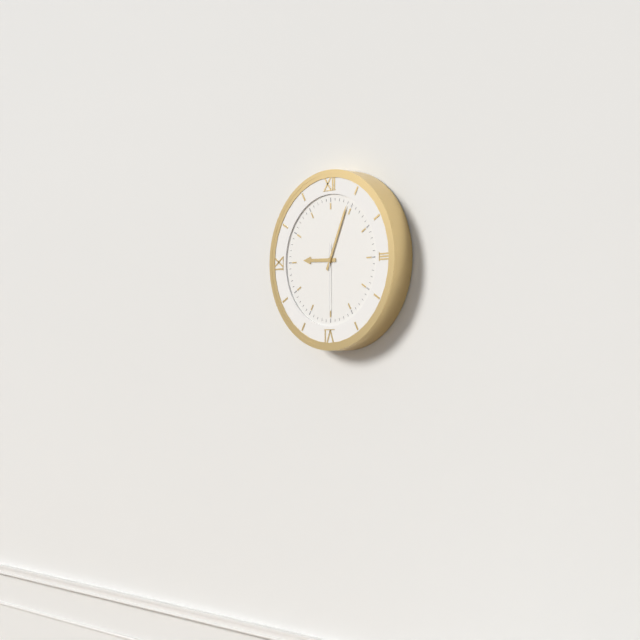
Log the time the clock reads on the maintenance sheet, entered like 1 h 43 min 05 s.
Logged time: 9 h 04 min 30 s
